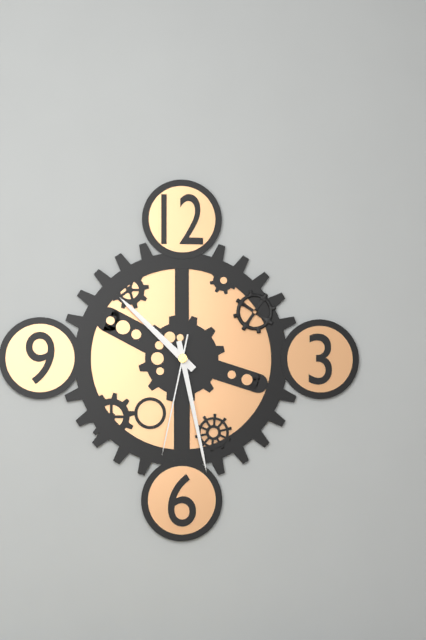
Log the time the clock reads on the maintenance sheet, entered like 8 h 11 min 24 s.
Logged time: 10 h 28 min 32 s
